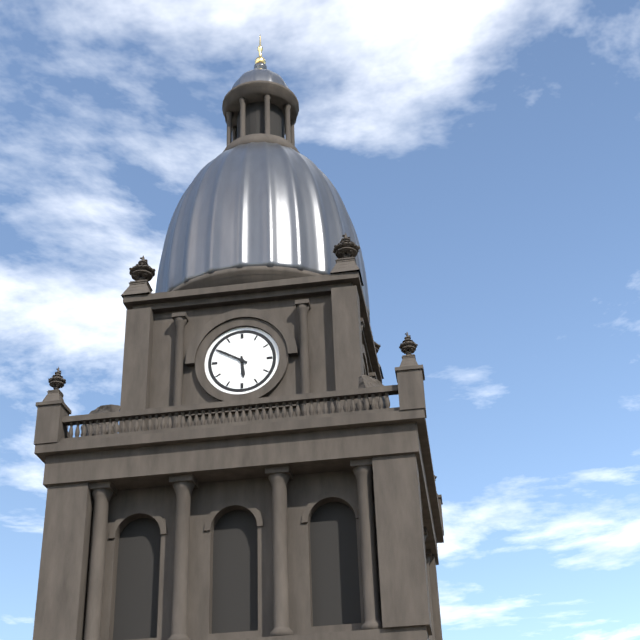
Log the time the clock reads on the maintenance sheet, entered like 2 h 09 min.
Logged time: 5 h 50 min
